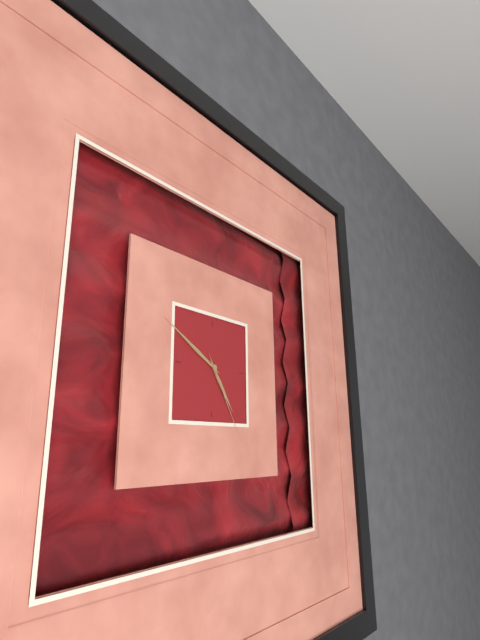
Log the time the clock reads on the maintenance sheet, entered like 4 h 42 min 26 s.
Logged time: 4 h 50 min 25 s
